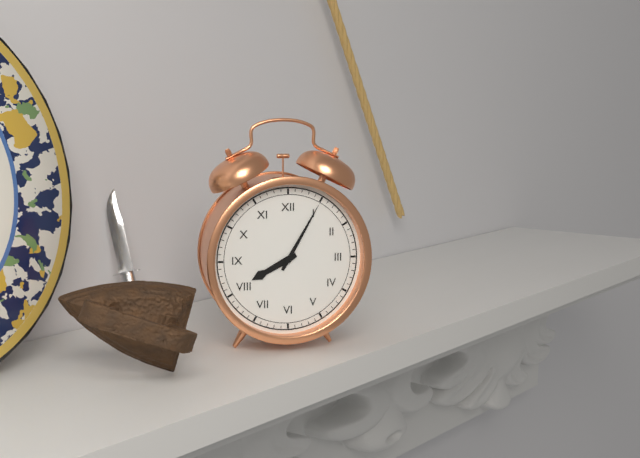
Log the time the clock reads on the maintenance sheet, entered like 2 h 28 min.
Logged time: 8 h 05 min
